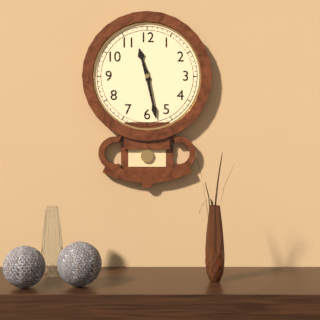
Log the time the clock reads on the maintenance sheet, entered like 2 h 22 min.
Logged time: 11 h 28 min
